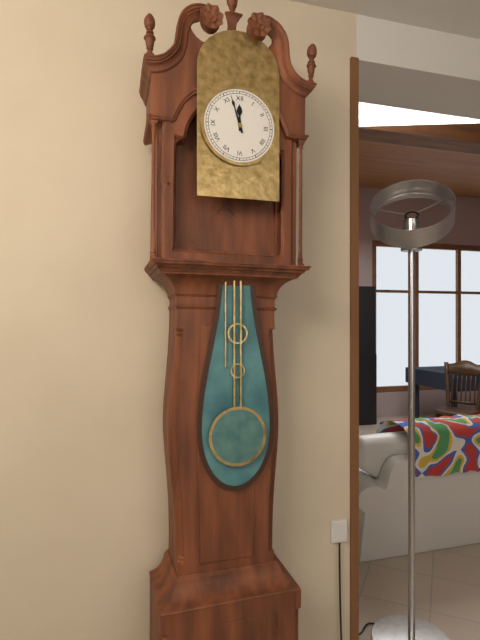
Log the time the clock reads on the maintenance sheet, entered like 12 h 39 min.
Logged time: 11 h 57 min
